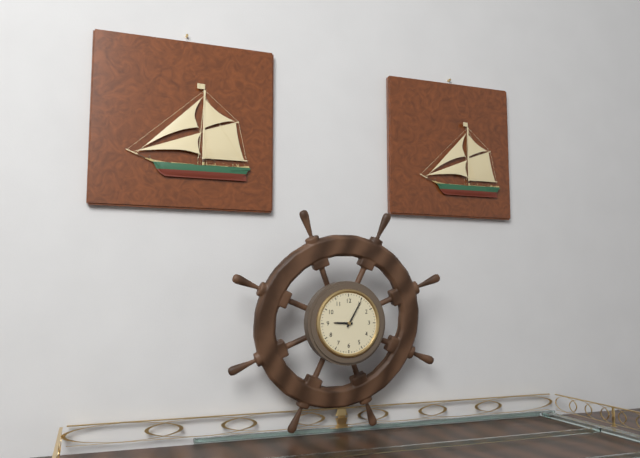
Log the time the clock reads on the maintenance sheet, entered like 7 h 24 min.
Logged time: 9 h 05 min
